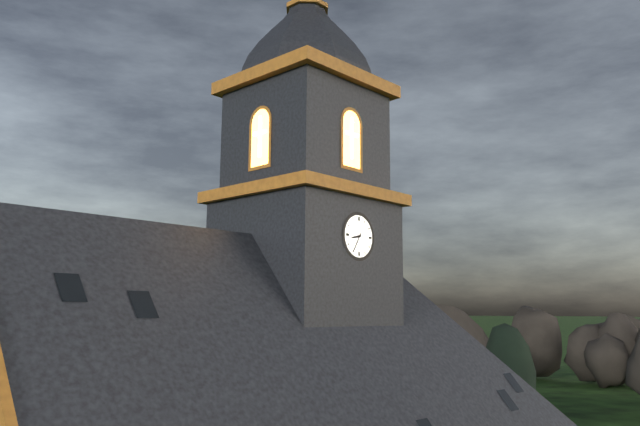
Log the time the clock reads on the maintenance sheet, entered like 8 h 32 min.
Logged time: 8 h 35 min
